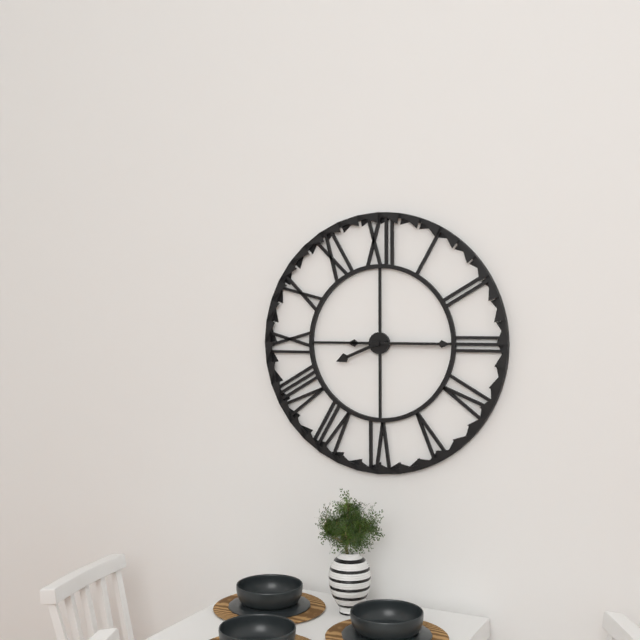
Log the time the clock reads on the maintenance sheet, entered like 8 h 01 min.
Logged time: 8 h 15 min
